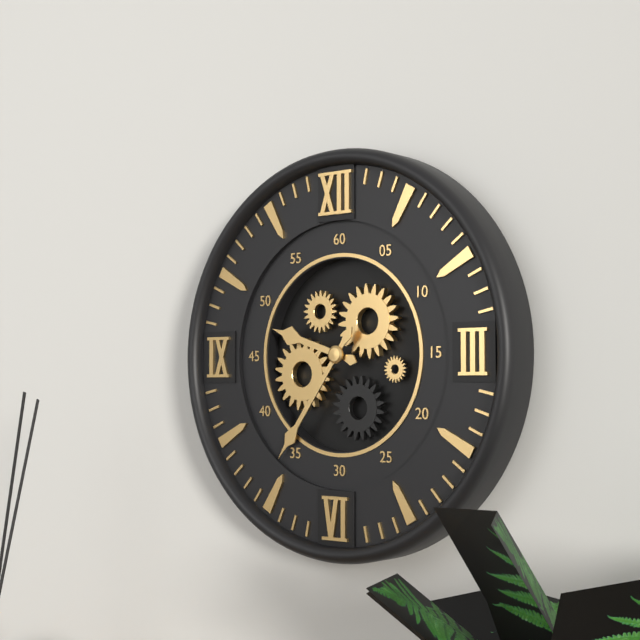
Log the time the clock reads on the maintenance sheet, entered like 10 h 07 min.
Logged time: 9 h 36 min
